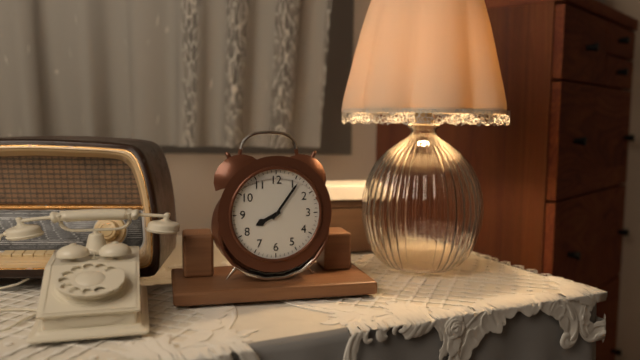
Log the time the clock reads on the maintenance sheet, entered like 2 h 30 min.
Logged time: 8 h 06 min
